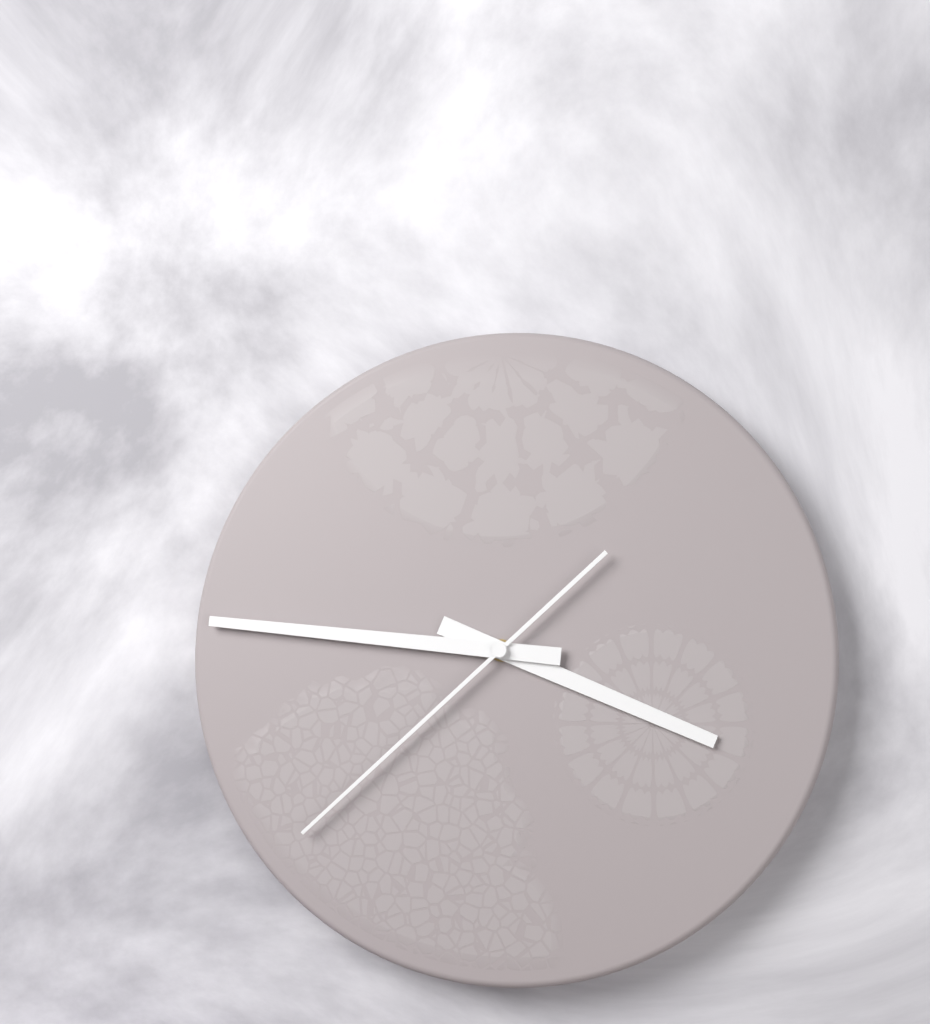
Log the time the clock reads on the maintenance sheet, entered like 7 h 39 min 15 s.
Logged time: 3 h 46 min 38 s
